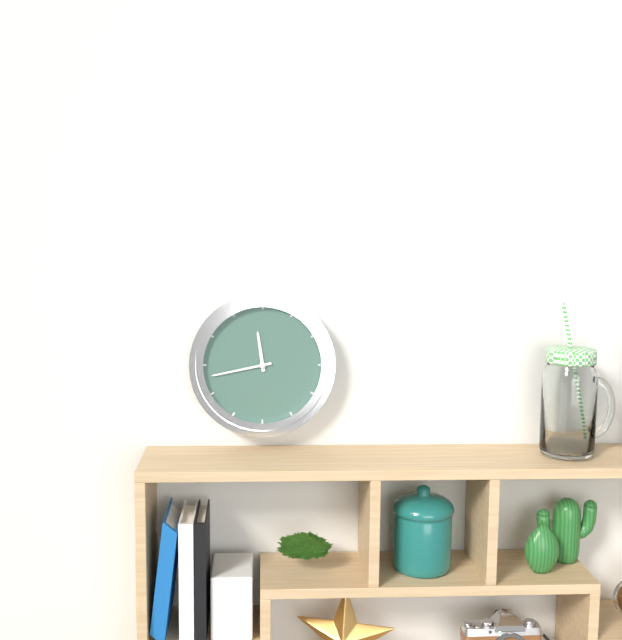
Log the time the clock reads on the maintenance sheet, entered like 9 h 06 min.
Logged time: 11 h 43 min
